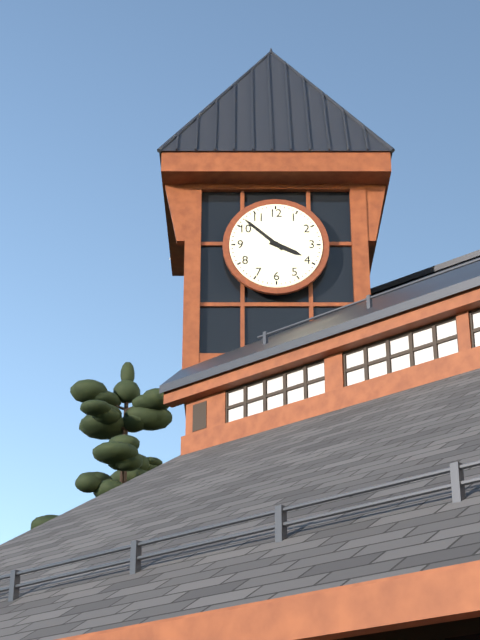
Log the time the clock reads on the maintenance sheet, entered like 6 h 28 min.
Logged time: 3 h 52 min
